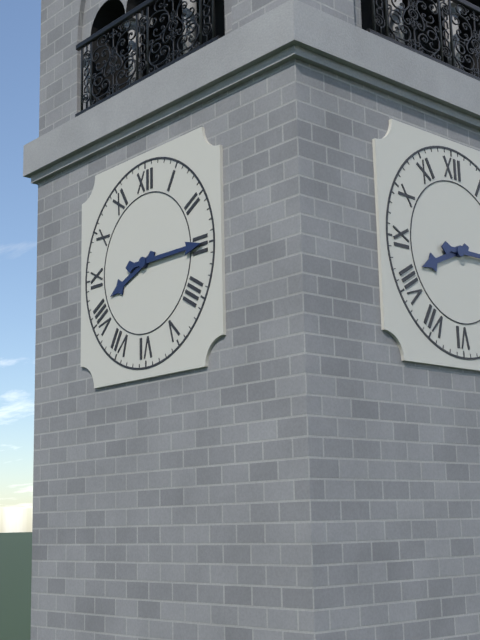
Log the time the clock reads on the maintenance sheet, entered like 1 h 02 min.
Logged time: 8 h 15 min
